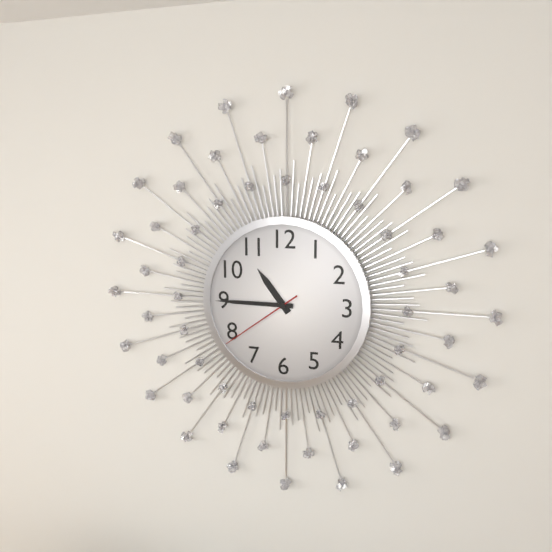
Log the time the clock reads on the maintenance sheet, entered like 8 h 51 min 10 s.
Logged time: 10 h 45 min 39 s
